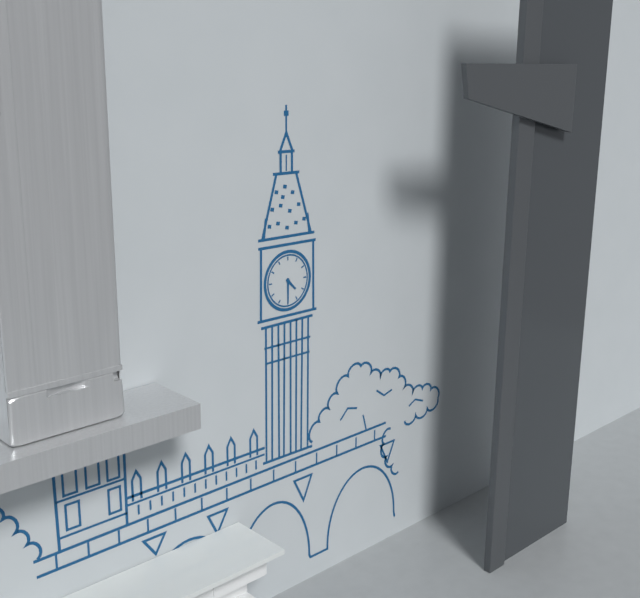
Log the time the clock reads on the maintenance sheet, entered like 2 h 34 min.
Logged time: 4 h 30 min
